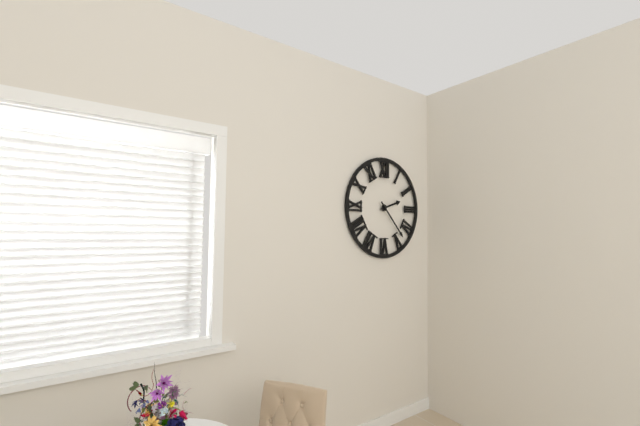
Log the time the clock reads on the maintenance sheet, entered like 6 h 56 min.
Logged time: 2 h 23 min
